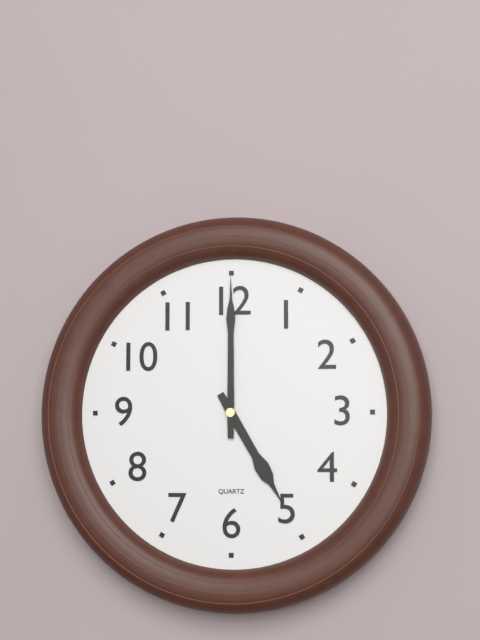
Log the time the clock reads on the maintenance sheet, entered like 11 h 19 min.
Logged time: 5 h 00 min
